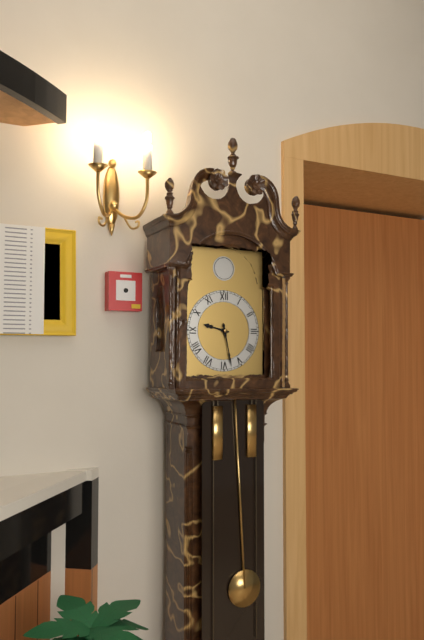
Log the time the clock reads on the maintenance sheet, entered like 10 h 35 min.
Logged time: 9 h 28 min
